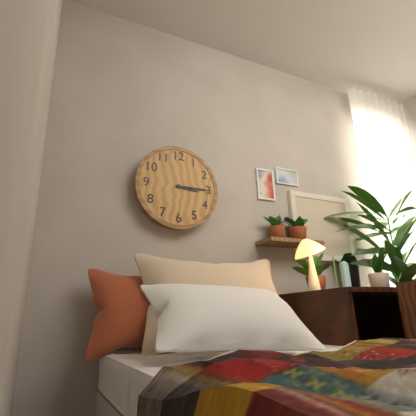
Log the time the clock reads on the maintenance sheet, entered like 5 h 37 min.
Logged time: 3 h 15 min
